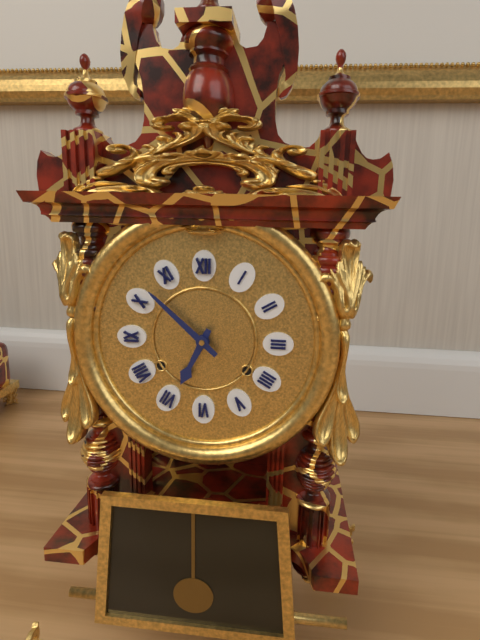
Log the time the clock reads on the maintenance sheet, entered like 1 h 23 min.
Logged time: 6 h 52 min
